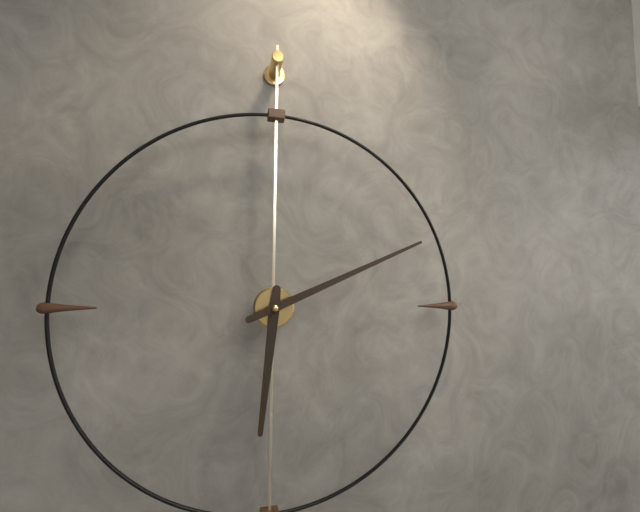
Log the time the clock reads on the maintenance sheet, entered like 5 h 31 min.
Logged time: 6 h 11 min
